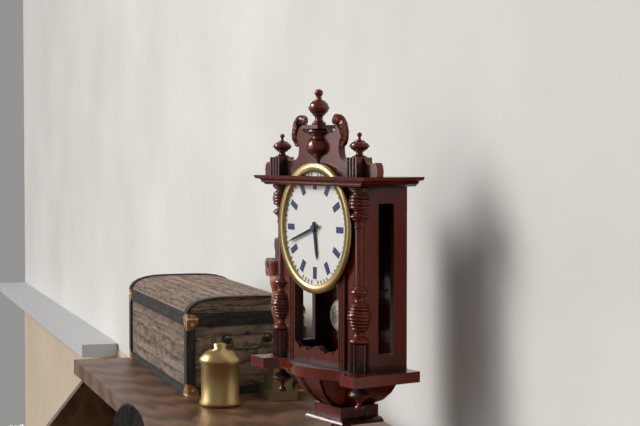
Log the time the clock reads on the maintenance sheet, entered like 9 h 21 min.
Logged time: 5 h 42 min
